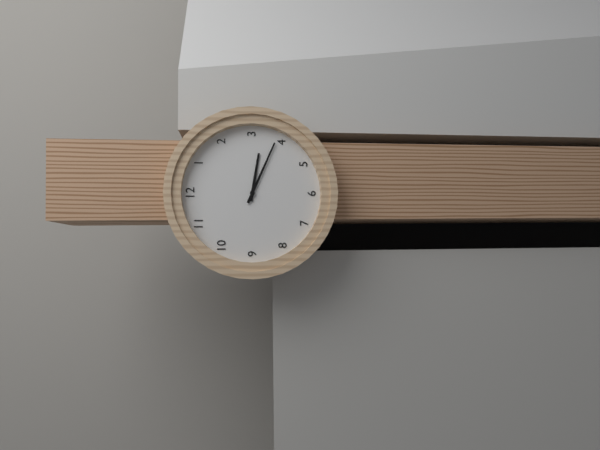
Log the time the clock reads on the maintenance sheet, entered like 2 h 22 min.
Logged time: 3 h 19 min
